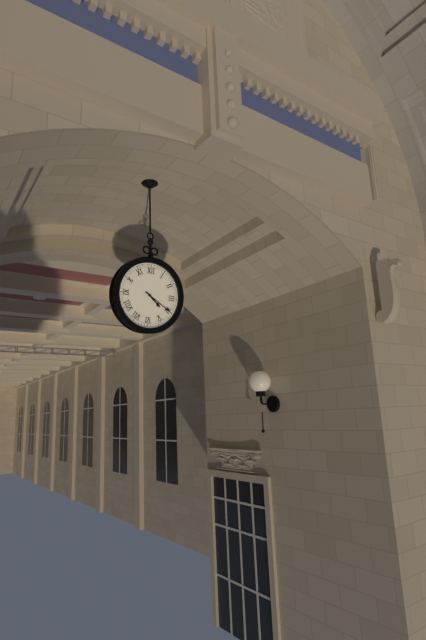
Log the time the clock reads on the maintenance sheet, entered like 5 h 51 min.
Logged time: 4 h 20 min
